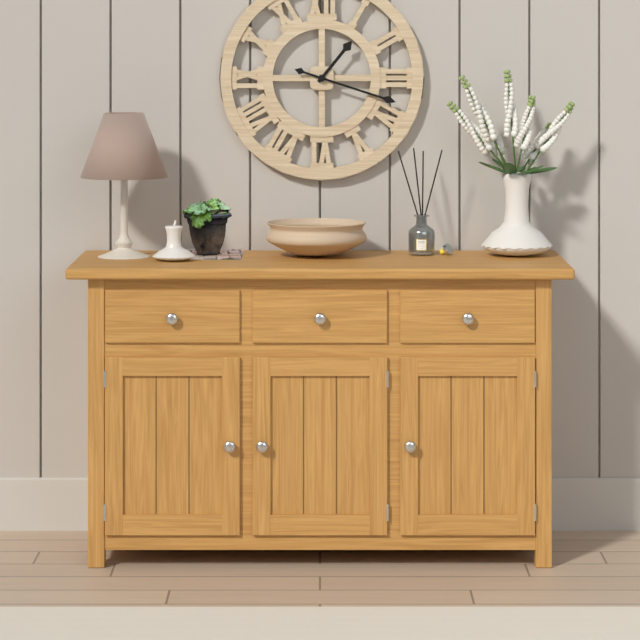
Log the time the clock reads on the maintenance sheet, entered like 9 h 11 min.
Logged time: 1 h 18 min
